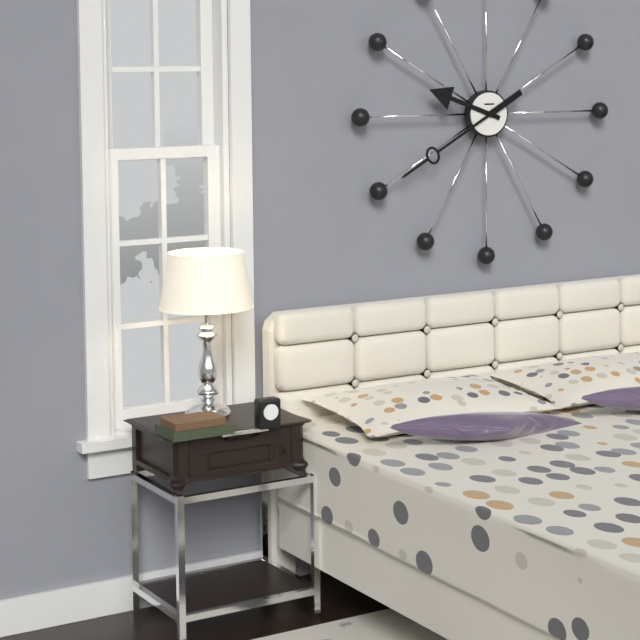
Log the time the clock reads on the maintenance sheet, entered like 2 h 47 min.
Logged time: 9 h 40 min
